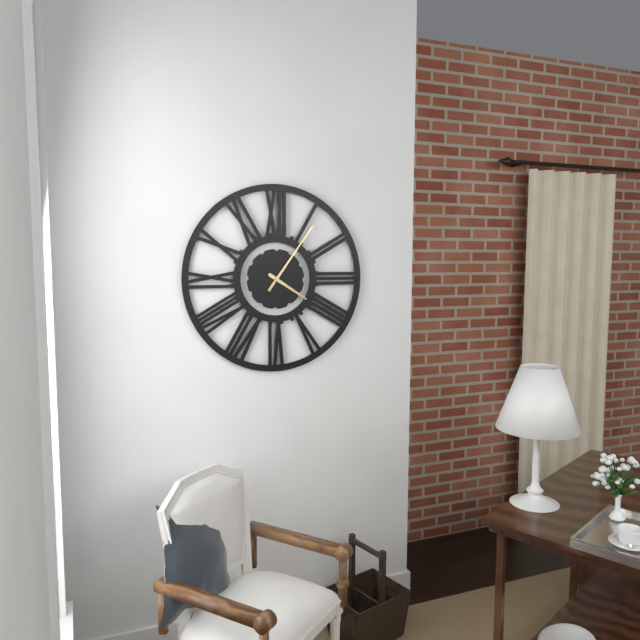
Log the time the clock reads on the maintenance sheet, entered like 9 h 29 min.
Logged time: 4 h 06 min
